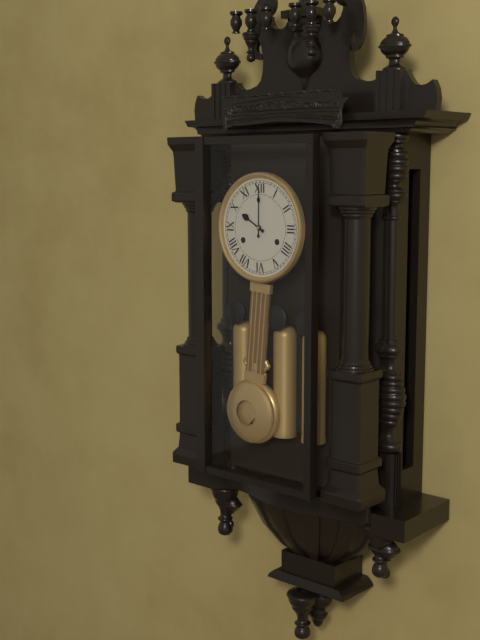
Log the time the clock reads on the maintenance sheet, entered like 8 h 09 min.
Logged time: 10 h 00 min
